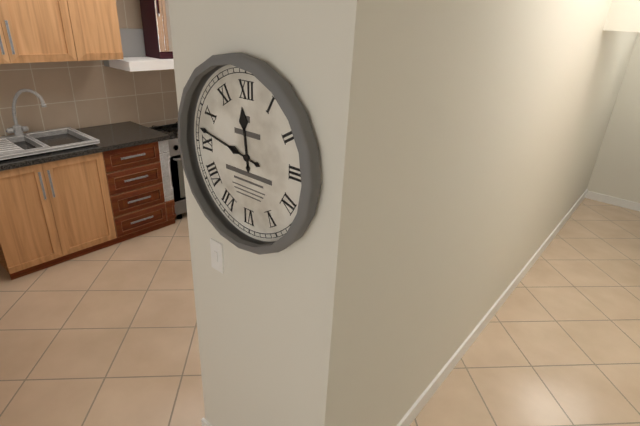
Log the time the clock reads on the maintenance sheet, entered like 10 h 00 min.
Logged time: 11 h 47 min
